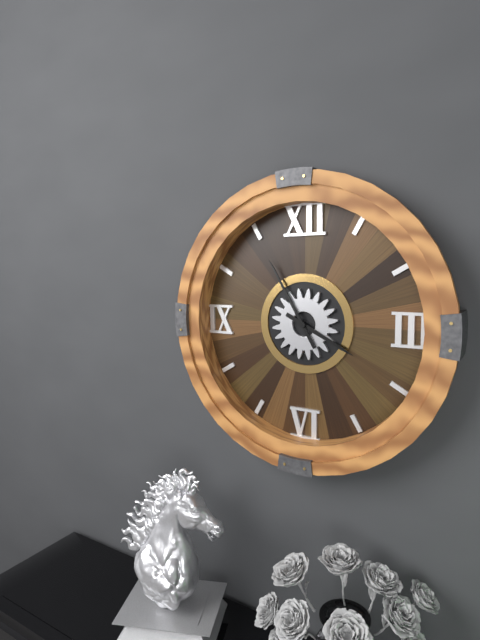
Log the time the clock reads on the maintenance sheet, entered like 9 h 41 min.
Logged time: 3 h 55 min
